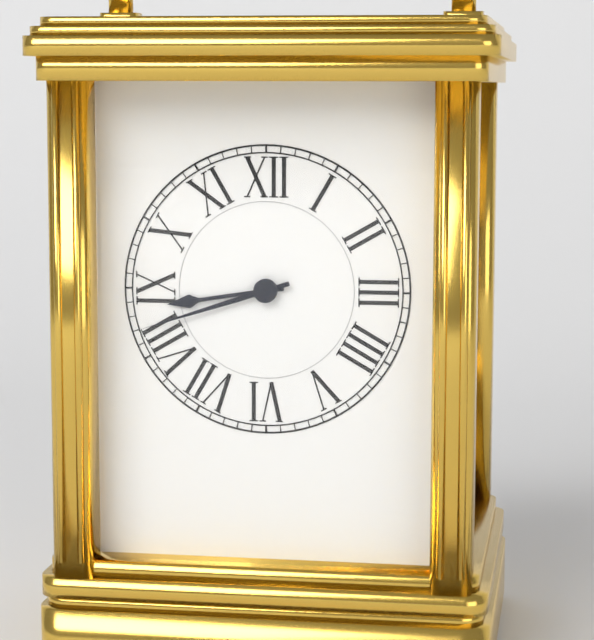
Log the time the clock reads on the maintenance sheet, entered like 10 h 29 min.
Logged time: 8 h 42 min
